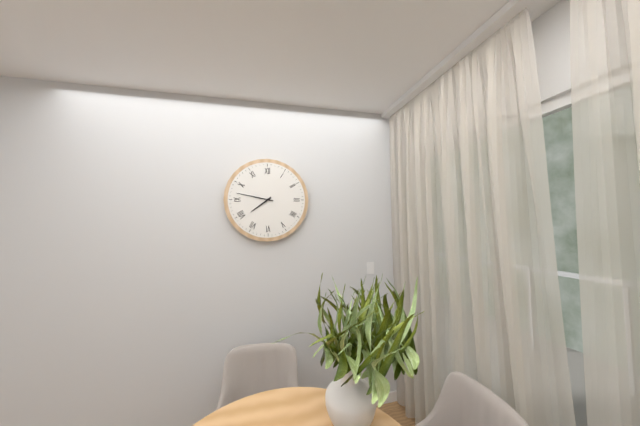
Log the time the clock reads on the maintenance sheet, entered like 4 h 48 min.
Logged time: 7 h 47 min
